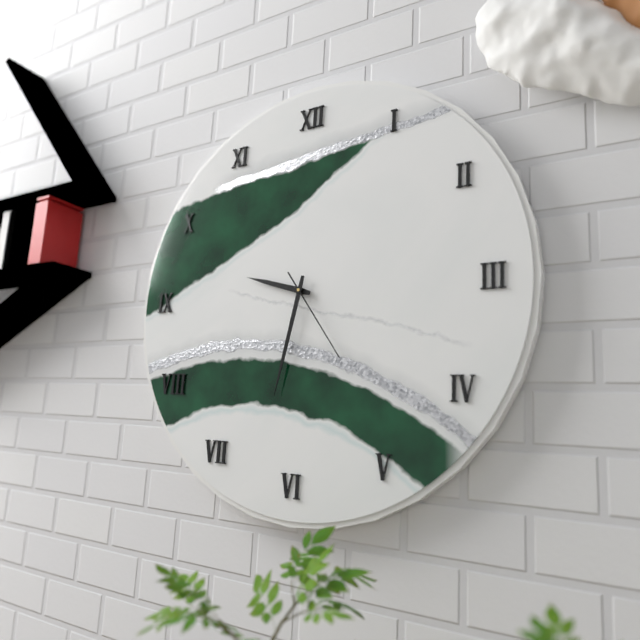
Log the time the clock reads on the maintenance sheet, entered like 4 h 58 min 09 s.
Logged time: 9 h 32 min 24 s
